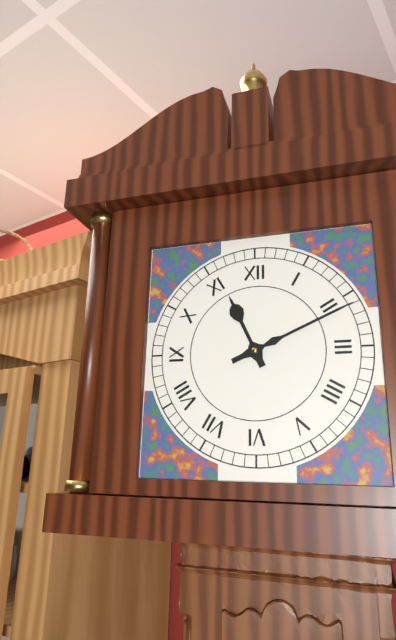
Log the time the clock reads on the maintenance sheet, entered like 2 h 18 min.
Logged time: 11 h 11 min
